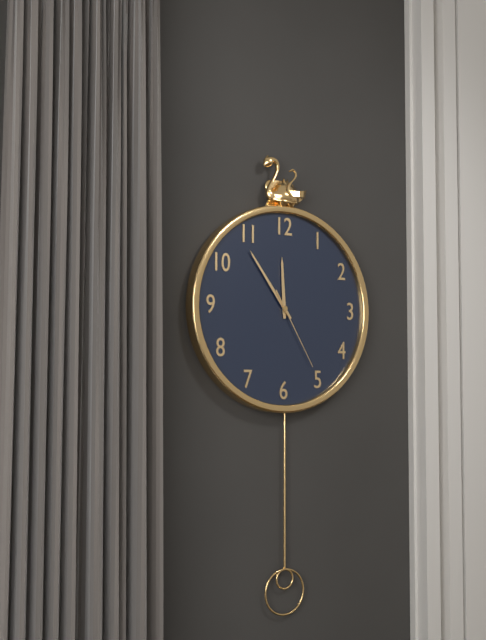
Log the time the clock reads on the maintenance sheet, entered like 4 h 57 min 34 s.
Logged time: 11 h 54 min 25 s
